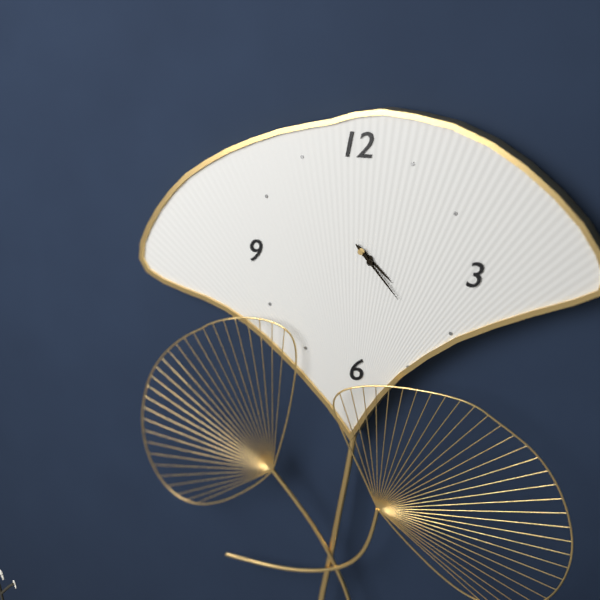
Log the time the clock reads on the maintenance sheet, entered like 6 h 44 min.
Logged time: 4 h 23 min
